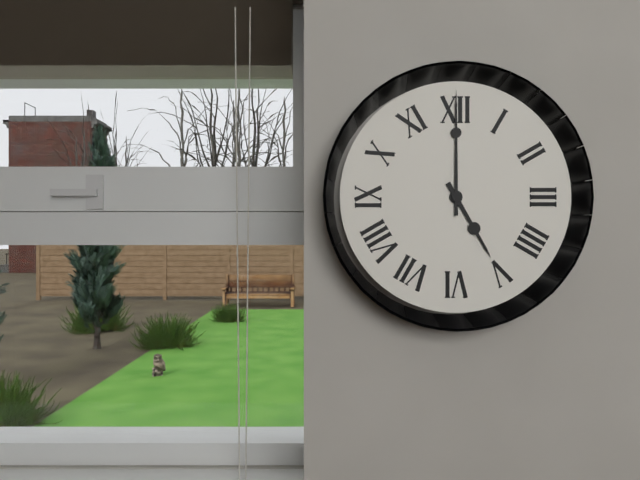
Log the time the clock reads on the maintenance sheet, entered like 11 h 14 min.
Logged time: 5 h 00 min
